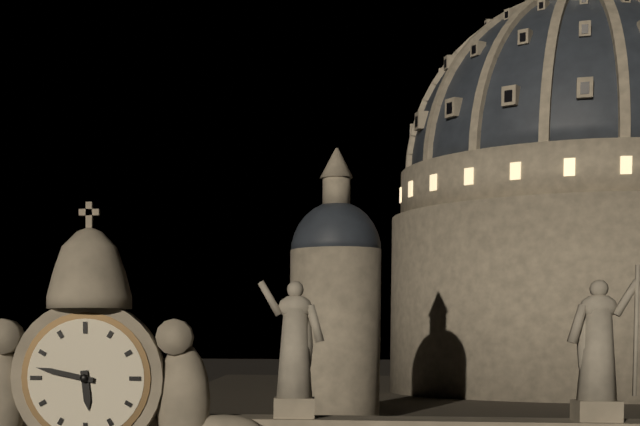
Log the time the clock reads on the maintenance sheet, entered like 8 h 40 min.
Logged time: 5 h 47 min
